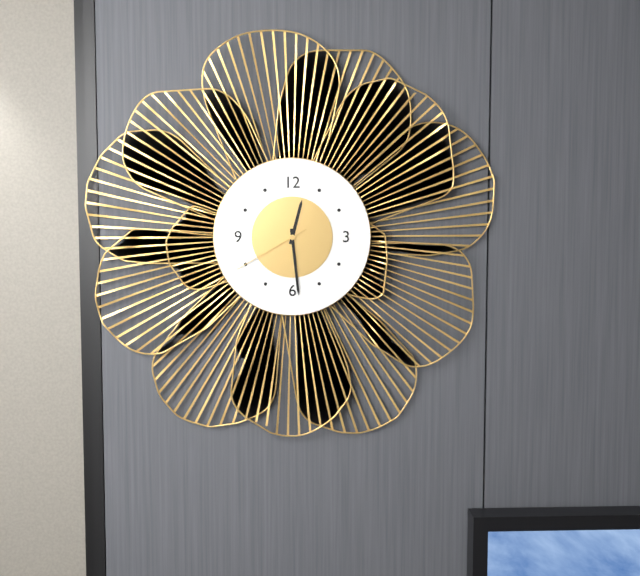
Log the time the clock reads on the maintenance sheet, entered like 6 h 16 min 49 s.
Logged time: 12 h 29 min 40 s
